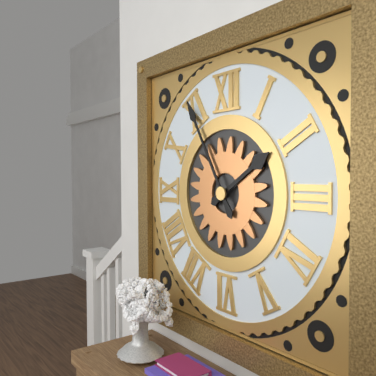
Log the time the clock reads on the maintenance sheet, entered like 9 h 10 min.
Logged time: 1 h 55 min
